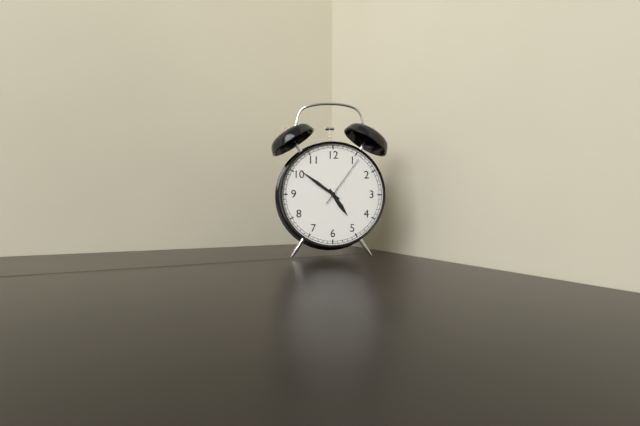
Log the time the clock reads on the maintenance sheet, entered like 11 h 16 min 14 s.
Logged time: 4 h 51 min 06 s
